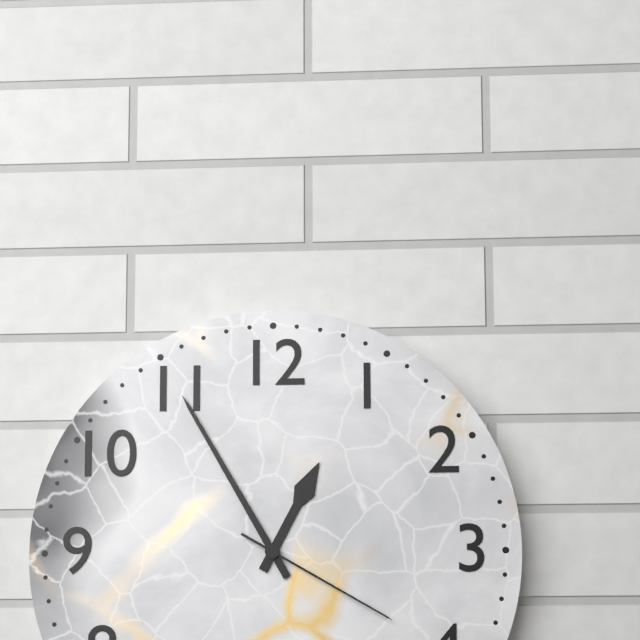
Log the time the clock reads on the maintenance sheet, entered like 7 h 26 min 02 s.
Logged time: 12 h 55 min 20 s
